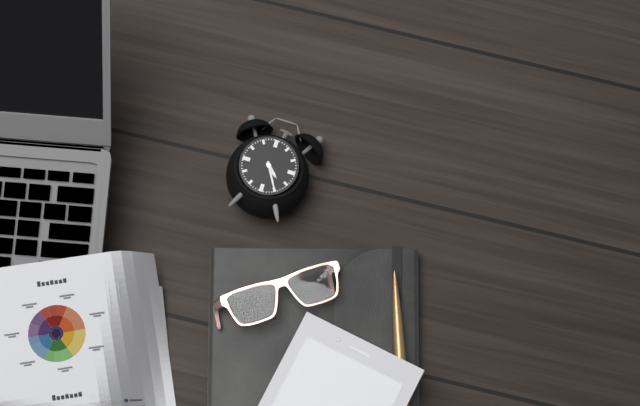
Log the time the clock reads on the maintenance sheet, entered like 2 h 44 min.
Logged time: 4 h 25 min
